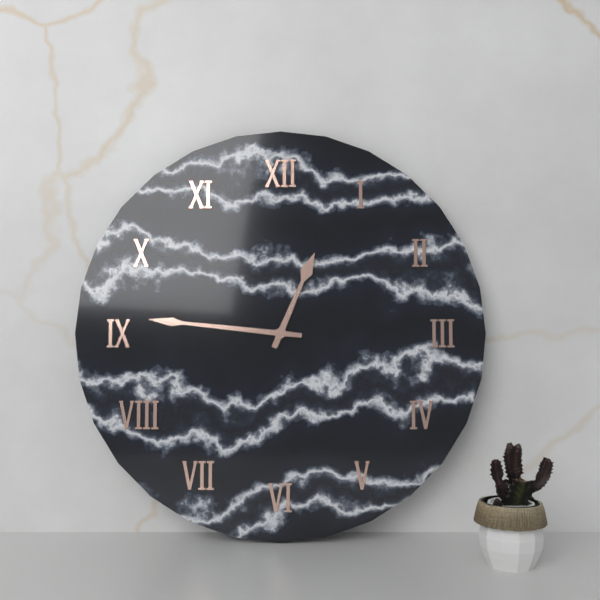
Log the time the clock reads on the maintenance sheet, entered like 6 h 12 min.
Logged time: 12 h 46 min
